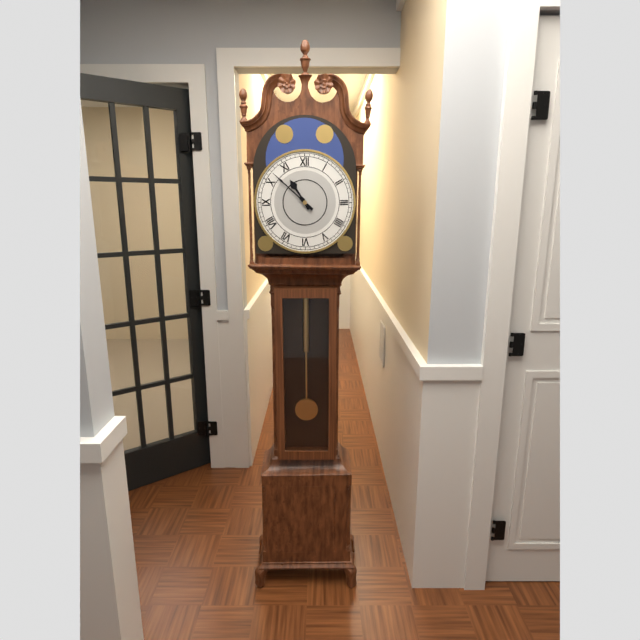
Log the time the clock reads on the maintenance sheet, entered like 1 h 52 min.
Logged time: 10 h 52 min
